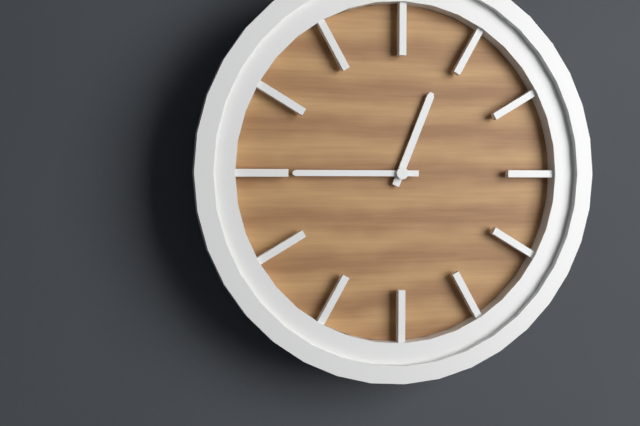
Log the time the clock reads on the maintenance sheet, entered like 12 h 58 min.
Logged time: 12 h 45 min
